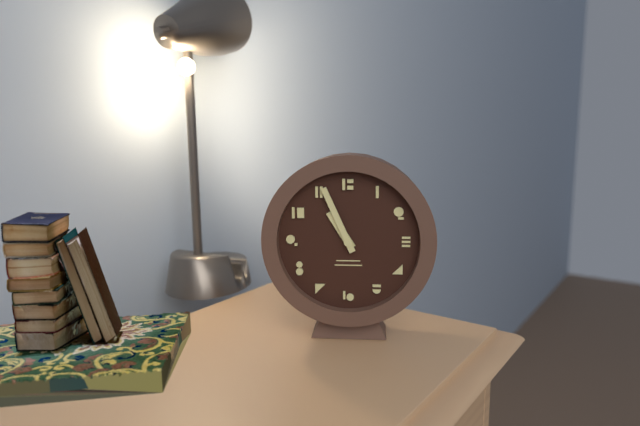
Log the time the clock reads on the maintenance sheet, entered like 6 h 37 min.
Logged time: 10 h 56 min
